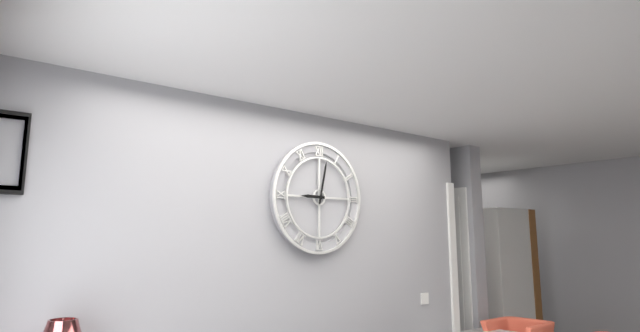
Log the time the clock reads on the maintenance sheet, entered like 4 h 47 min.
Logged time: 9 h 02 min
